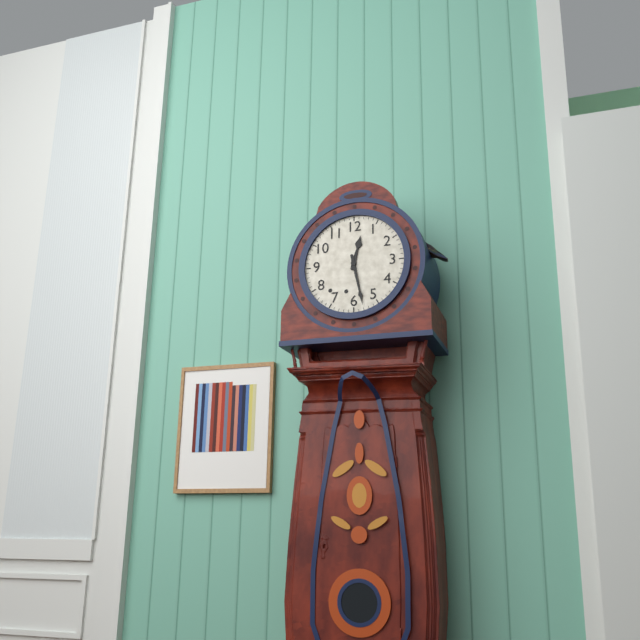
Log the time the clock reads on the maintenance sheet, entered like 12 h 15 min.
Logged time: 12 h 28 min
